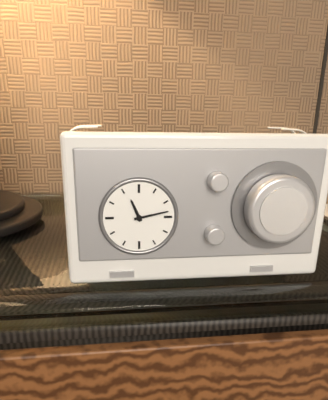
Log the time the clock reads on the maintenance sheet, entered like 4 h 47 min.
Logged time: 11 h 13 min
